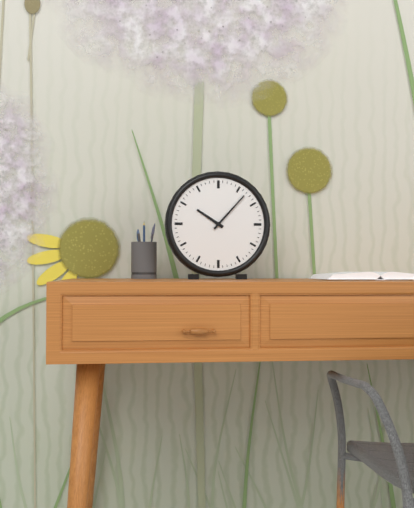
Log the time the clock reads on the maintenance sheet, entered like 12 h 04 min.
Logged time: 10 h 07 min
